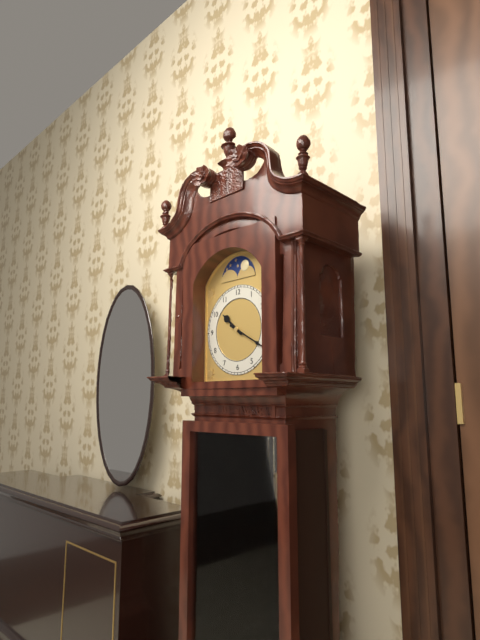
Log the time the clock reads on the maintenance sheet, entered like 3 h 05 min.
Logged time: 10 h 20 min
